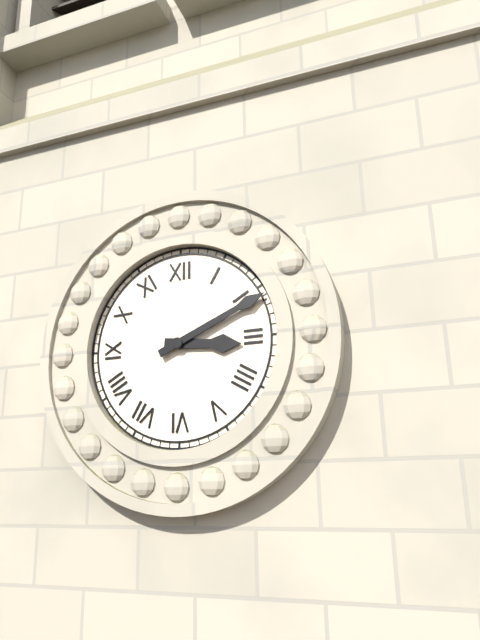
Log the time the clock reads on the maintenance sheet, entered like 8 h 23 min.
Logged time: 3 h 11 min
